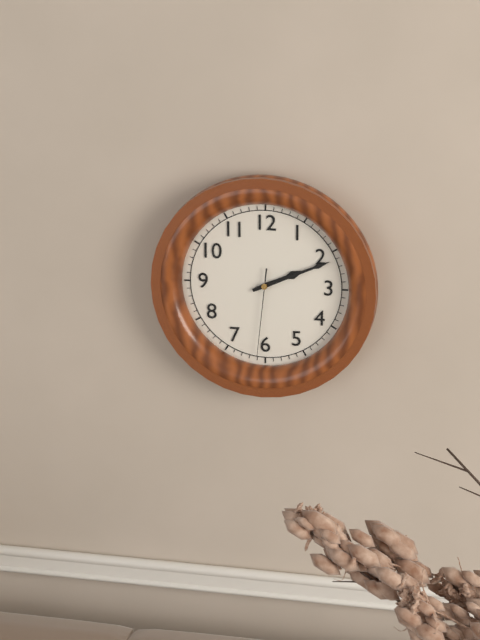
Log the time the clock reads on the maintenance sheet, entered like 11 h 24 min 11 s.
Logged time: 2 h 11 min 31 s
